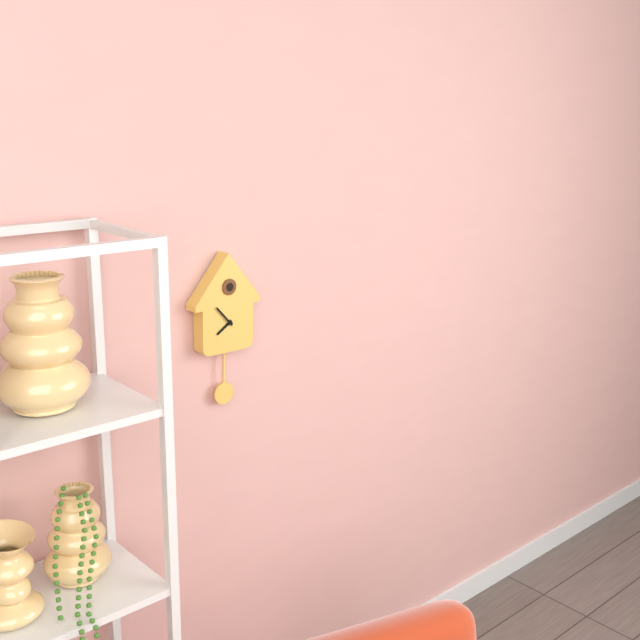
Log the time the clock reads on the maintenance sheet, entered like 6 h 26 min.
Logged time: 7 h 53 min
